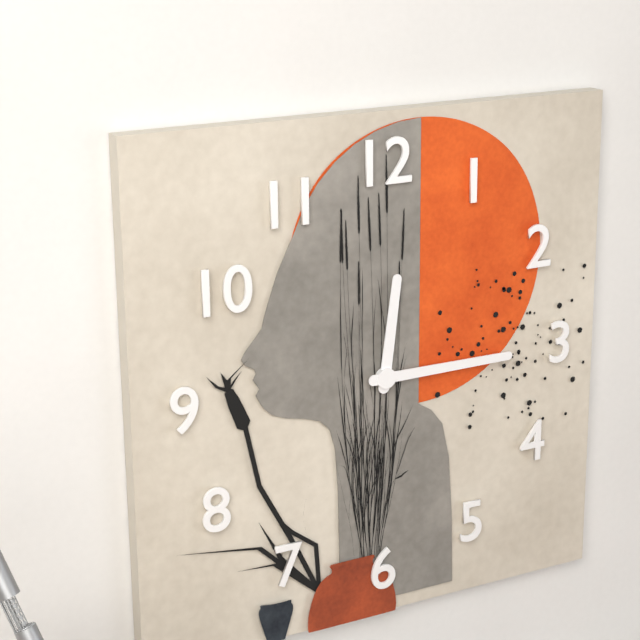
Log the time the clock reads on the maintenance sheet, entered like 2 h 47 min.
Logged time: 12 h 15 min
